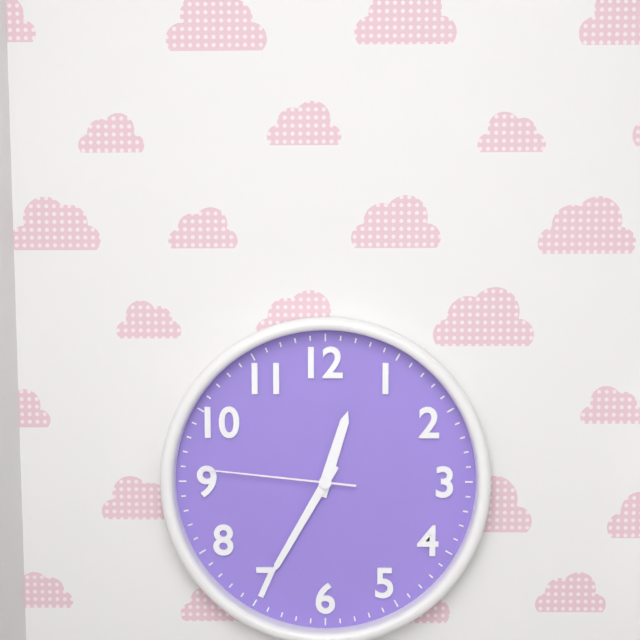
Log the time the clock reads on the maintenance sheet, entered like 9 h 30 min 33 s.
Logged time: 12 h 35 min 46 s
